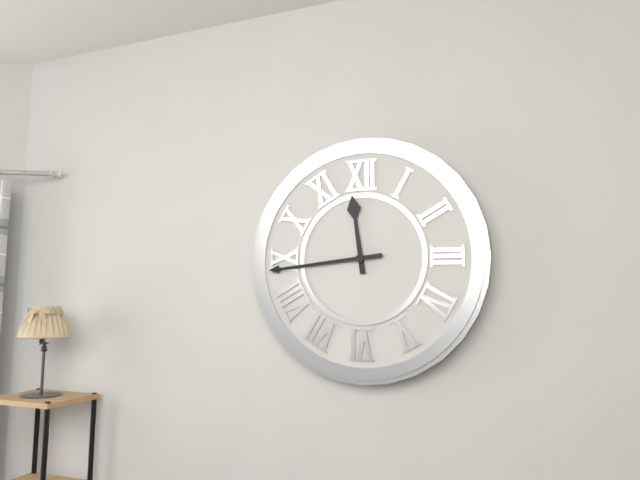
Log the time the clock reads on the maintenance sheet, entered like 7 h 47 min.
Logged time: 11 h 44 min
